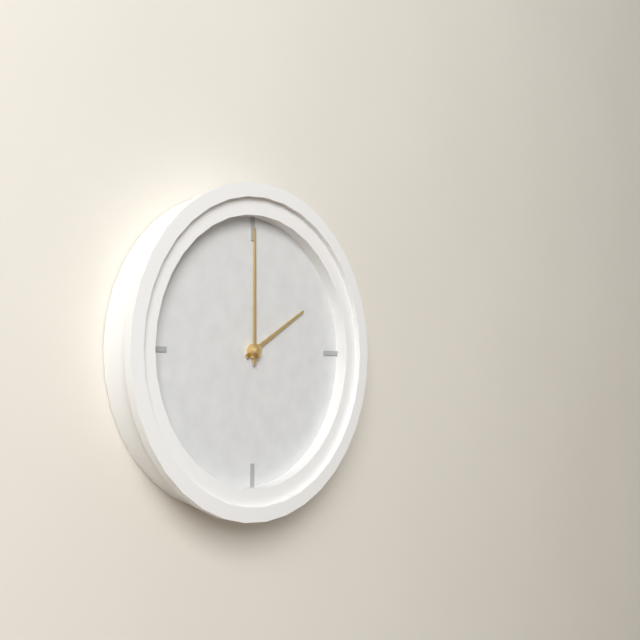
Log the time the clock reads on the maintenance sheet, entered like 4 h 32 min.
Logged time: 2 h 00 min
